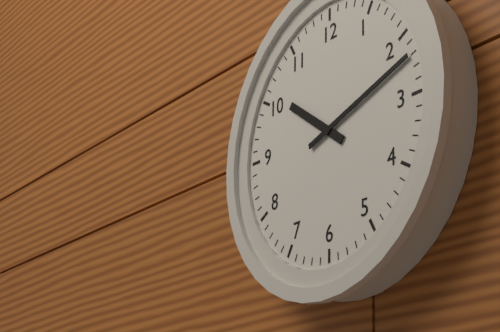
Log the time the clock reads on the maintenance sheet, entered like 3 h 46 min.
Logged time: 10 h 12 min
